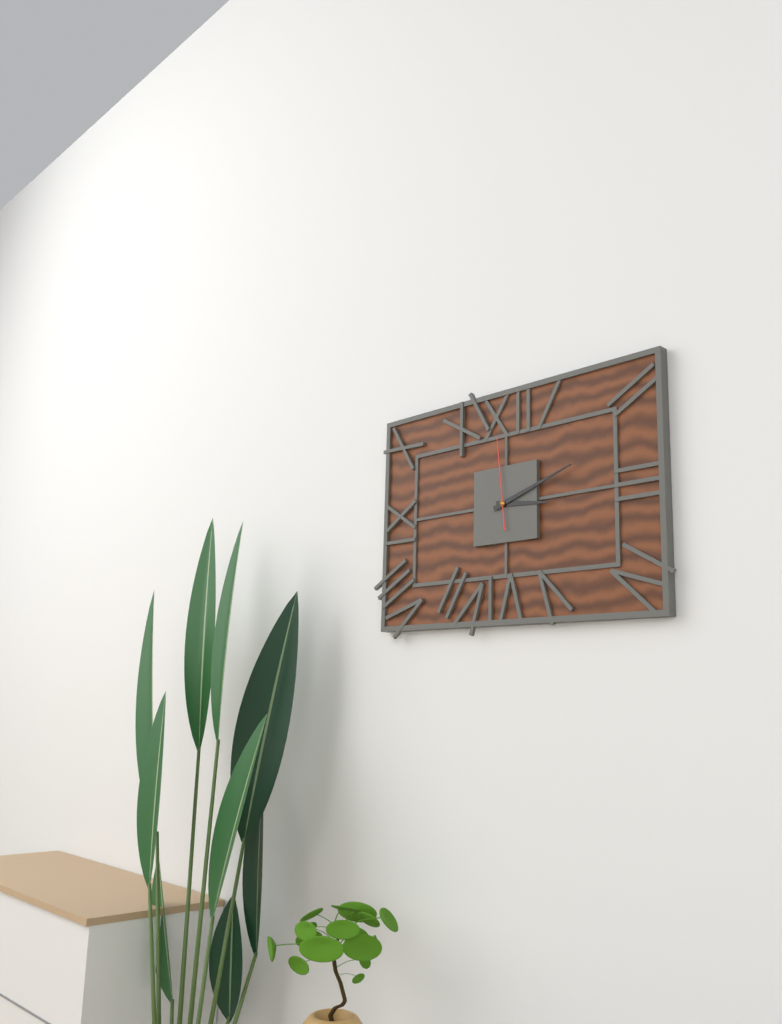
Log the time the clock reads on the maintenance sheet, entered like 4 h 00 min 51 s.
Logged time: 3 h 12 min 59 s
